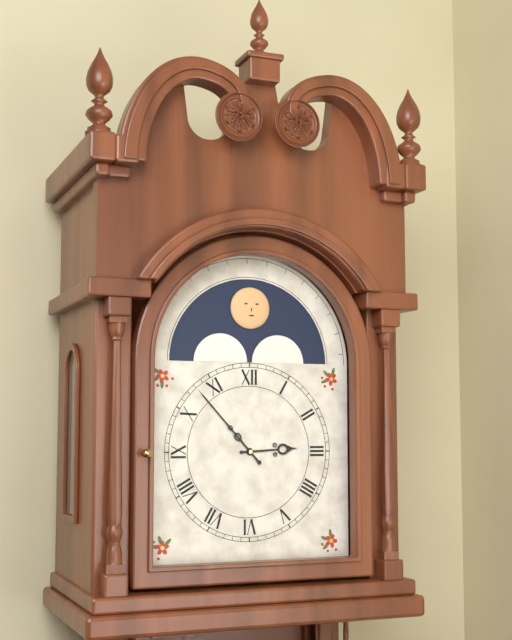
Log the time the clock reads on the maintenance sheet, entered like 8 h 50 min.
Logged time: 2 h 53 min
